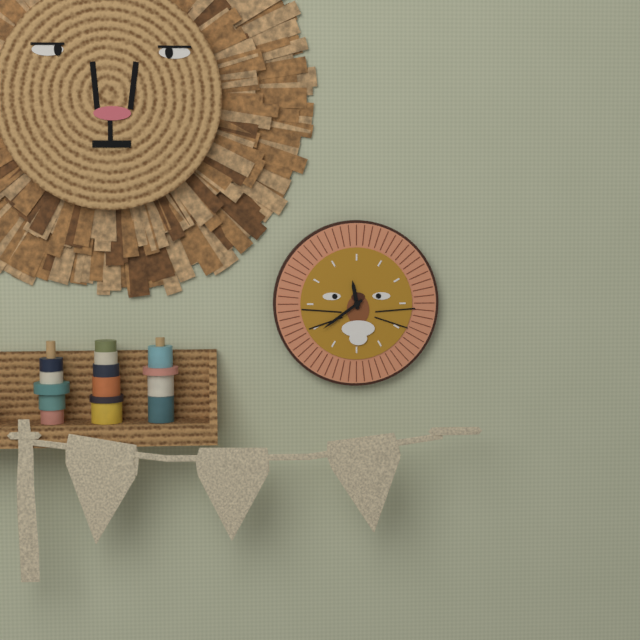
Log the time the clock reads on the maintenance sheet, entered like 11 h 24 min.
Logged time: 11 h 39 min
